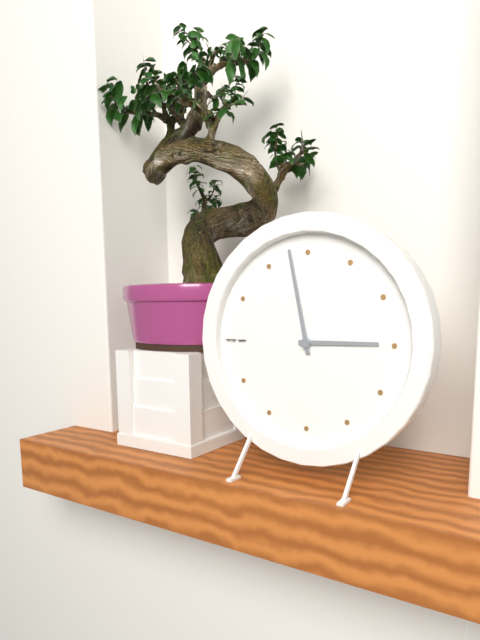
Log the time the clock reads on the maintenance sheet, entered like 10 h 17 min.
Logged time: 2 h 58 min
